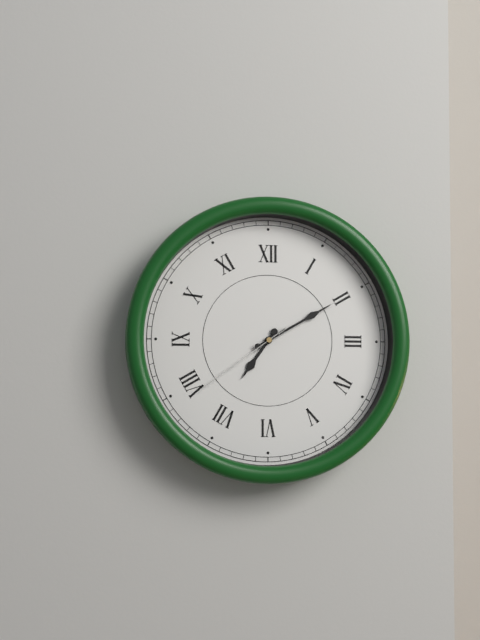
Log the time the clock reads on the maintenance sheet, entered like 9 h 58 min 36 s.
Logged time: 7 h 10 min 39 s
